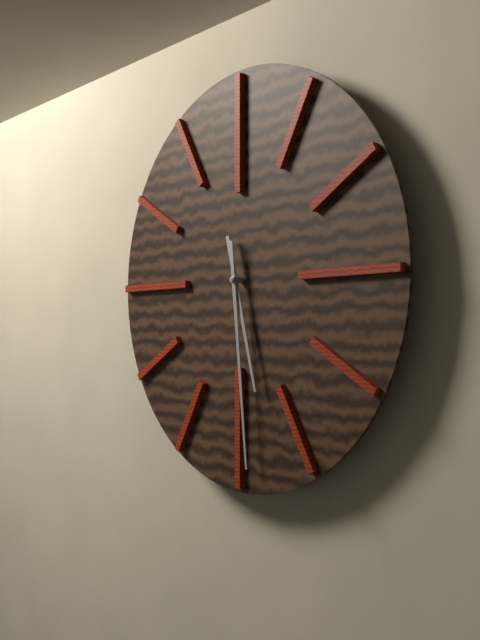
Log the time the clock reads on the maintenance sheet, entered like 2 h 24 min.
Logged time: 5 h 29 min
